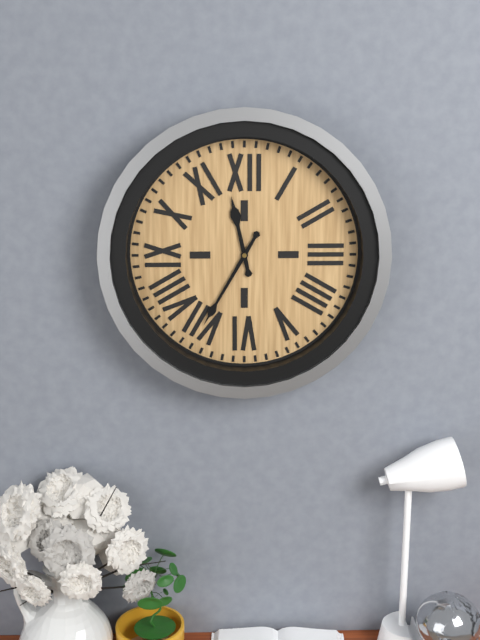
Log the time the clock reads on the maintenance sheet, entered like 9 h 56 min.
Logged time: 11 h 35 min
